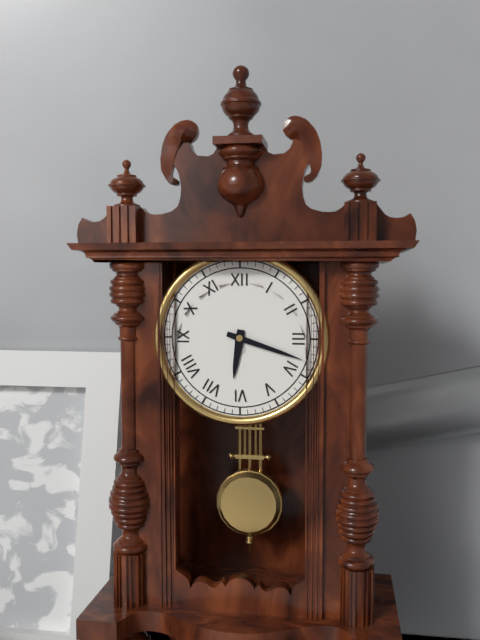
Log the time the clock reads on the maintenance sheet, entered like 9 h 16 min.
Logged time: 6 h 18 min
